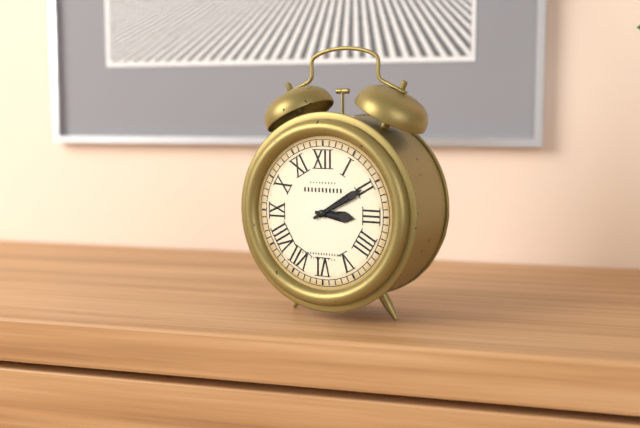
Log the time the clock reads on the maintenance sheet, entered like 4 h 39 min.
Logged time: 3 h 10 min
